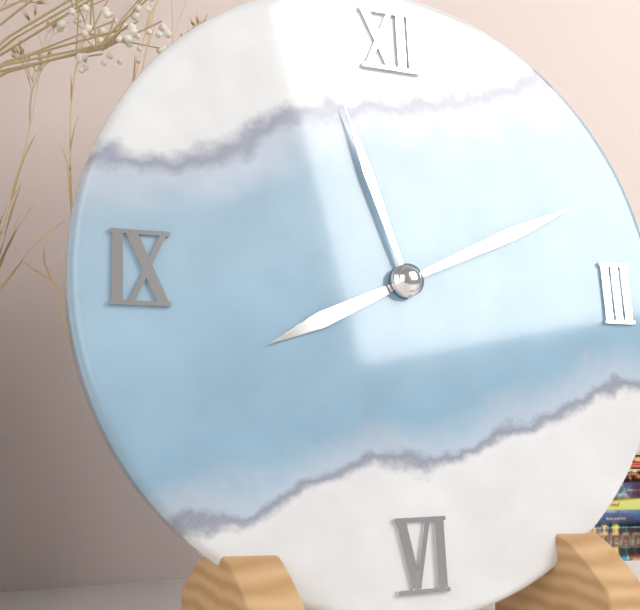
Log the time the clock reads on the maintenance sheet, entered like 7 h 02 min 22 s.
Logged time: 8 h 11 min 57 s
